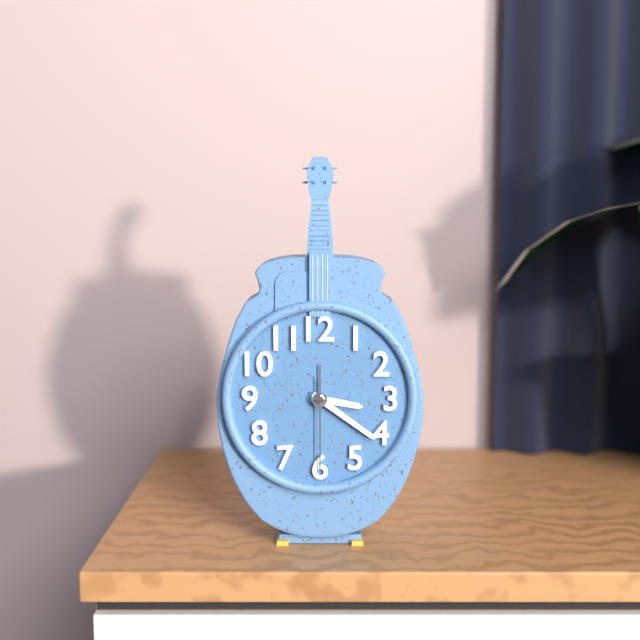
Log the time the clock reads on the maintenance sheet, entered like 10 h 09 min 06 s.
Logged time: 3 h 21 min 30 s
